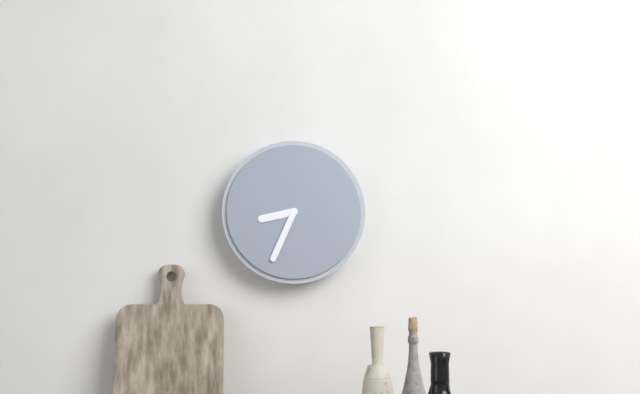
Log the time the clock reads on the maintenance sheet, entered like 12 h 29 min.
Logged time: 8 h 34 min
